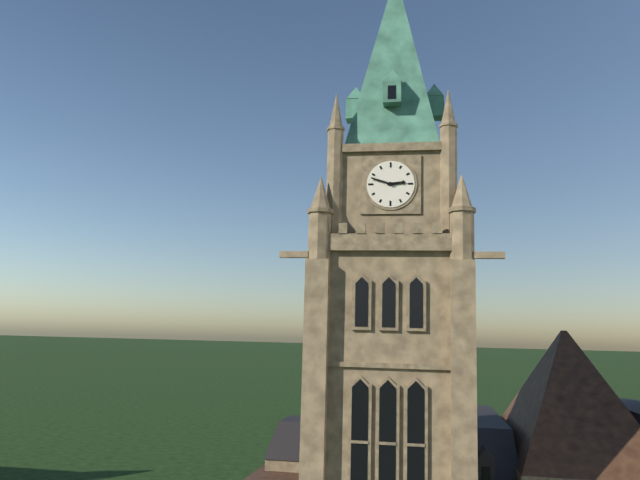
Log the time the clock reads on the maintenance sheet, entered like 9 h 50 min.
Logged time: 2 h 48 min
